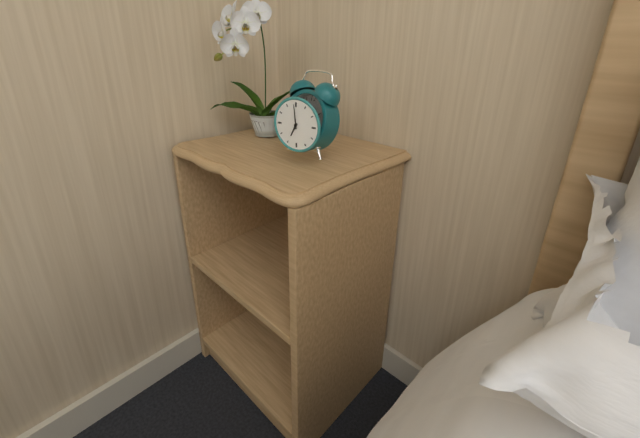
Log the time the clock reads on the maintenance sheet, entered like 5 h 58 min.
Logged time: 6 h 59 min
